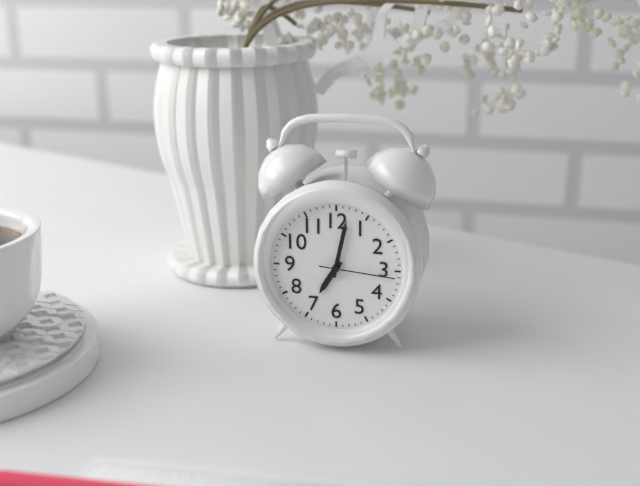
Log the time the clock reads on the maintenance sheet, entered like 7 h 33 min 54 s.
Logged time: 7 h 02 min 16 s
